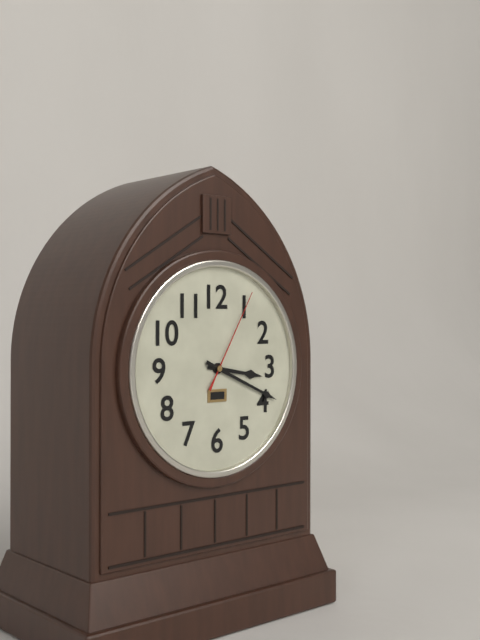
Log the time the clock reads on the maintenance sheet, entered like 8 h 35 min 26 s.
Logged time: 3 h 19 min 05 s
